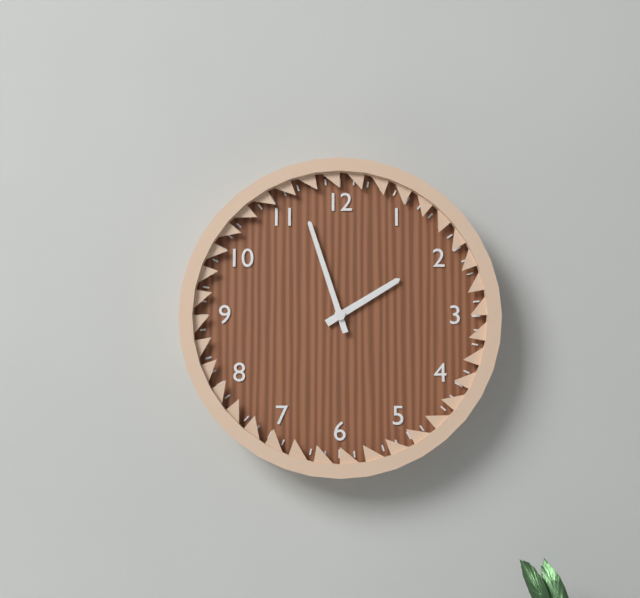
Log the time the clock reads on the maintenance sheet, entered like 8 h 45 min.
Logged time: 1 h 57 min
